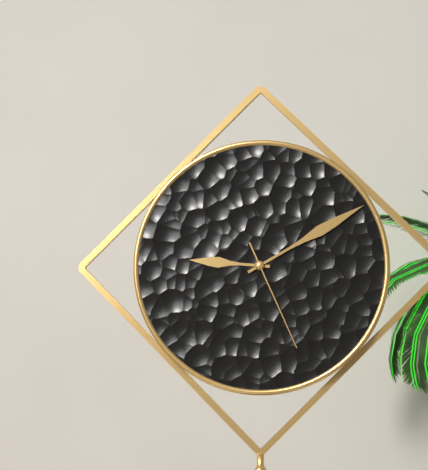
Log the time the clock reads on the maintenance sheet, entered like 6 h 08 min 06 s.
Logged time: 9 h 10 min 26 s
